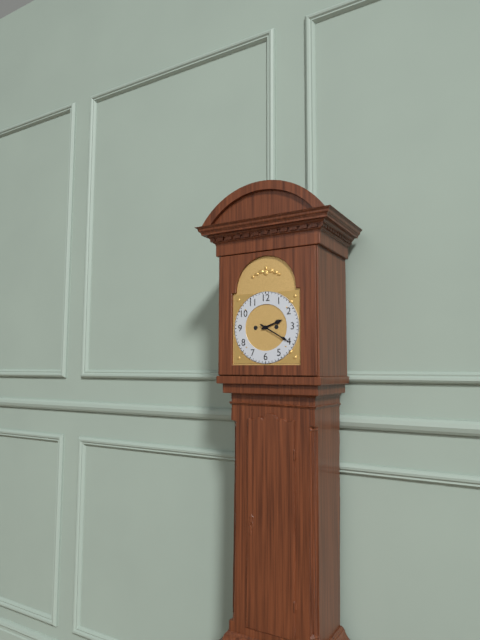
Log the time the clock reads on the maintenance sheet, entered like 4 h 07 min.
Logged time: 2 h 20 min
